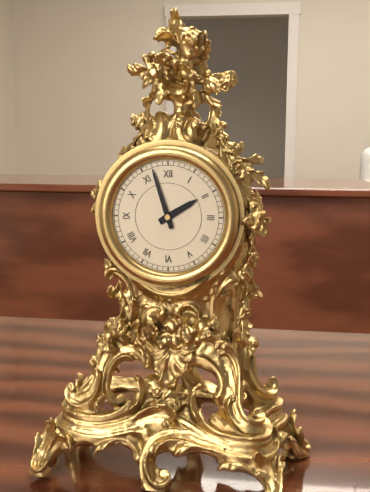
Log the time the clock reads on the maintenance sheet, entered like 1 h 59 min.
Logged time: 1 h 57 min
